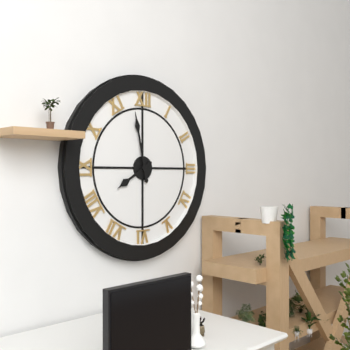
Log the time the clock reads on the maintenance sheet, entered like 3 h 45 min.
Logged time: 7 h 58 min
